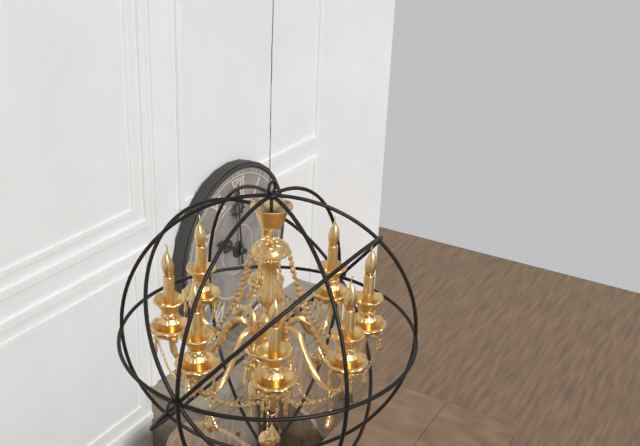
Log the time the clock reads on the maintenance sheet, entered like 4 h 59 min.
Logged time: 9 h 59 min
